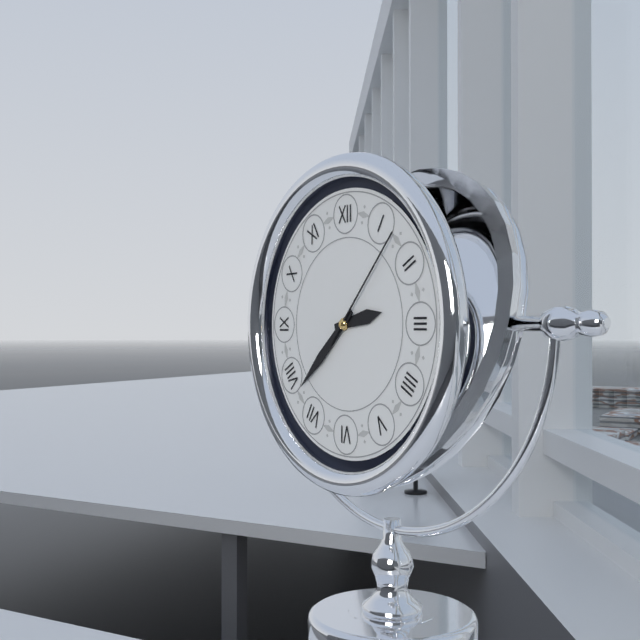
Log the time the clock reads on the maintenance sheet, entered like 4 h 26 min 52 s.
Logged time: 2 h 38 min 07 s
